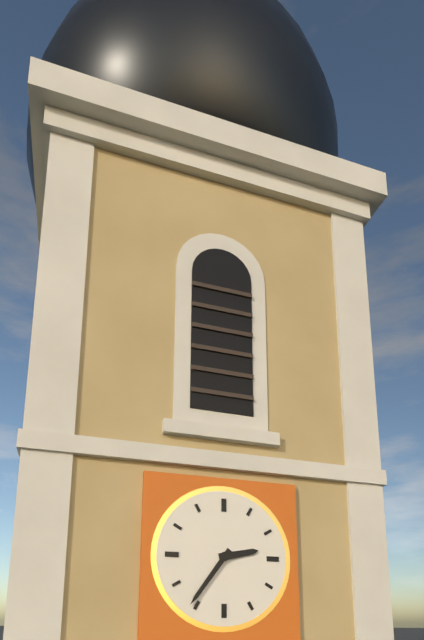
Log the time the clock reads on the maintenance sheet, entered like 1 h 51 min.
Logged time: 2 h 36 min
